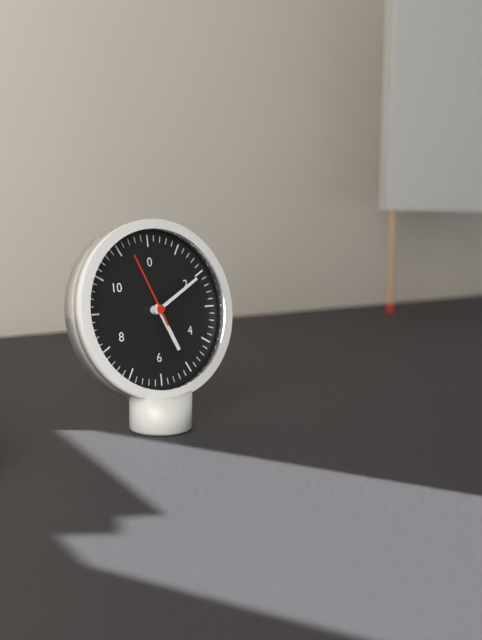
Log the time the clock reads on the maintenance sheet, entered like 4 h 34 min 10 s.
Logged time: 5 h 10 min 56 s
